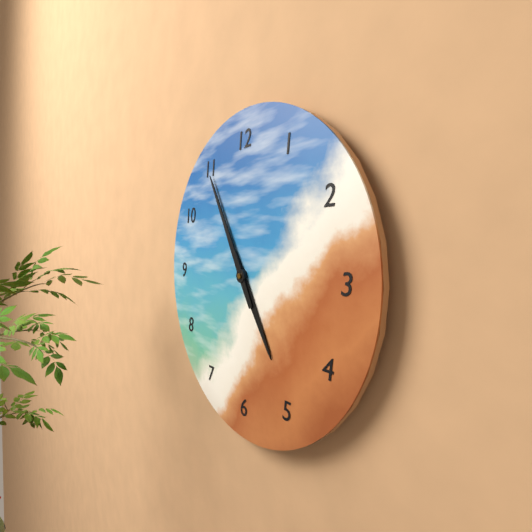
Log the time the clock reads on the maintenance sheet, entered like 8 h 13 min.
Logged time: 4 h 55 min
